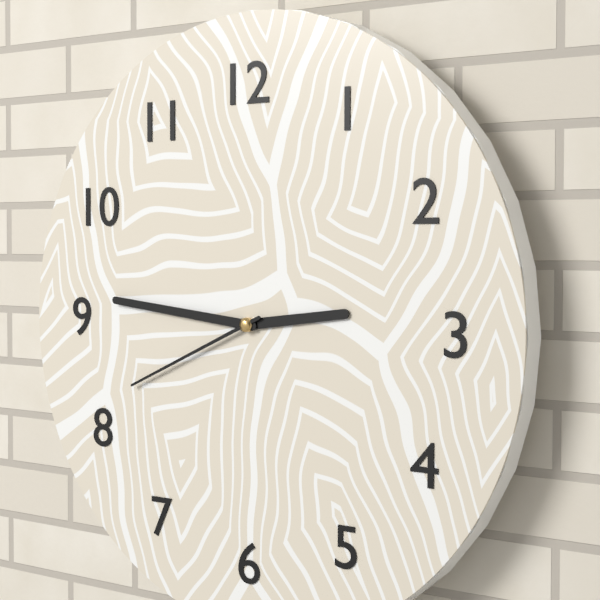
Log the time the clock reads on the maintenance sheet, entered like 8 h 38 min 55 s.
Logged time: 2 h 46 min 41 s
